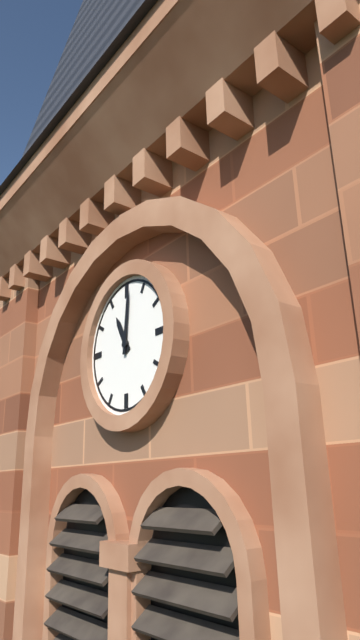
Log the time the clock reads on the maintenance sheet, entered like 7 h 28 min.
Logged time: 11 h 01 min
